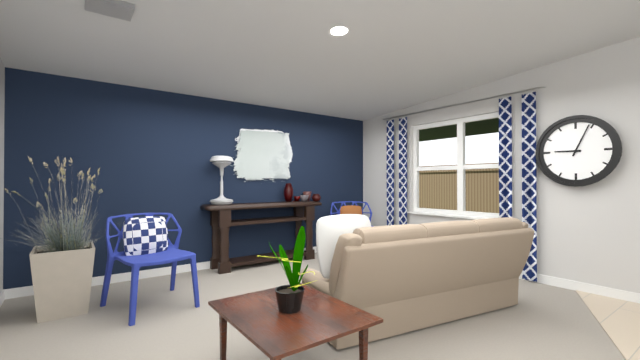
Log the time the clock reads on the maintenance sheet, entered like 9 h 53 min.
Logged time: 9 h 04 min
